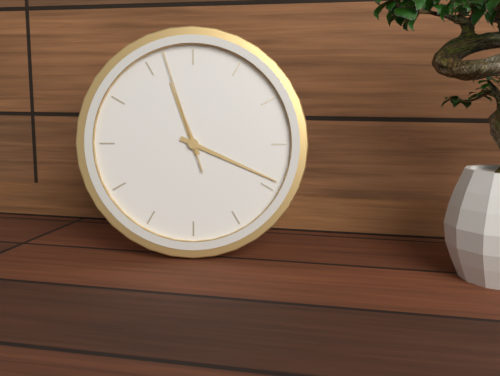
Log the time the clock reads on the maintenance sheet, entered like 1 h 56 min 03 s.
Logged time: 11 h 19 min 57 s
